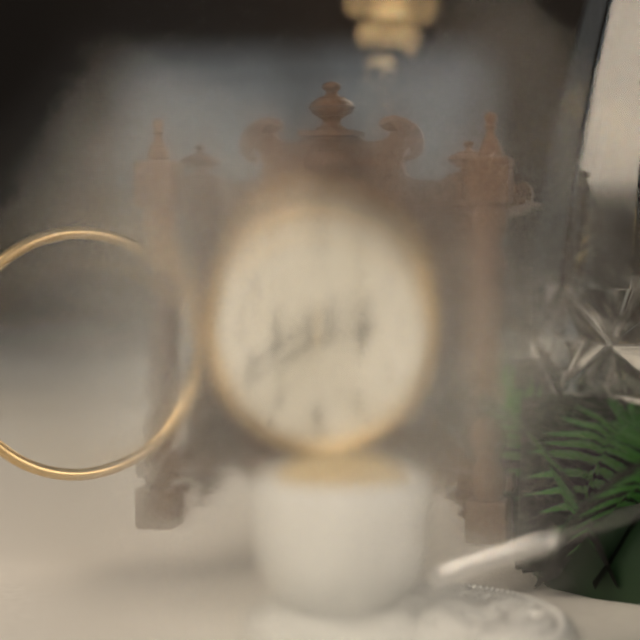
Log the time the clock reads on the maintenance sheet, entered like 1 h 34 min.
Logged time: 2 h 40 min
